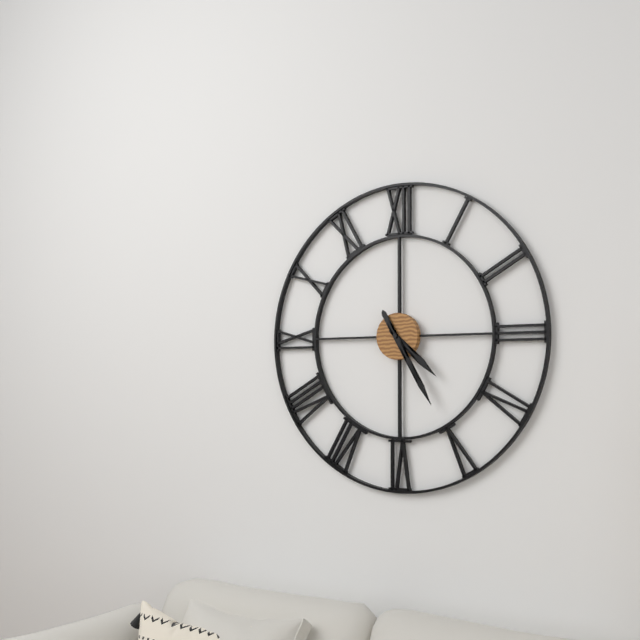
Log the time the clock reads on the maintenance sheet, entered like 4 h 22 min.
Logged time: 4 h 25 min
